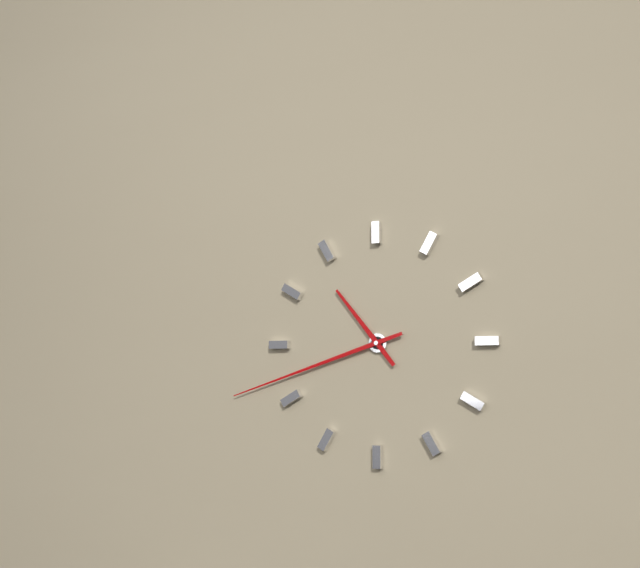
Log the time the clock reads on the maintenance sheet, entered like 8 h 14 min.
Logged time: 10 h 42 min
